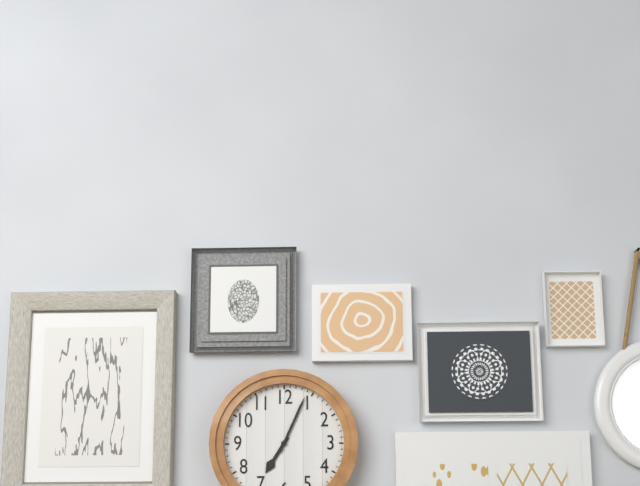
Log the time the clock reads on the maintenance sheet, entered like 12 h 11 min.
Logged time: 7 h 04 min
